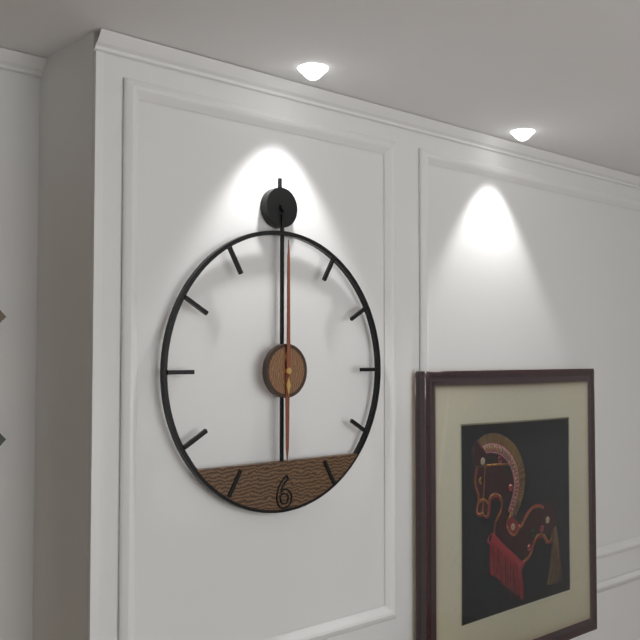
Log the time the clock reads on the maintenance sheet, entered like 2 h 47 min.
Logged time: 6 h 00 min
